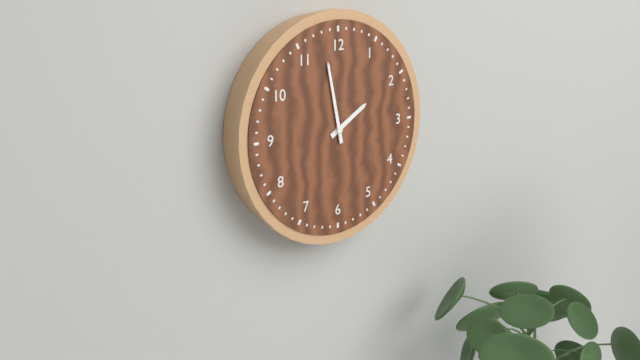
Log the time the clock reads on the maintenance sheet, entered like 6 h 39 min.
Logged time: 1 h 58 min
